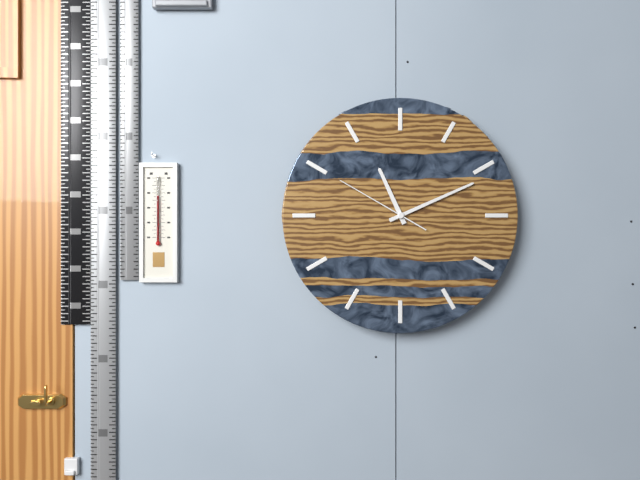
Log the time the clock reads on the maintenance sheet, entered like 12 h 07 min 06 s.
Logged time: 11 h 11 min 50 s
